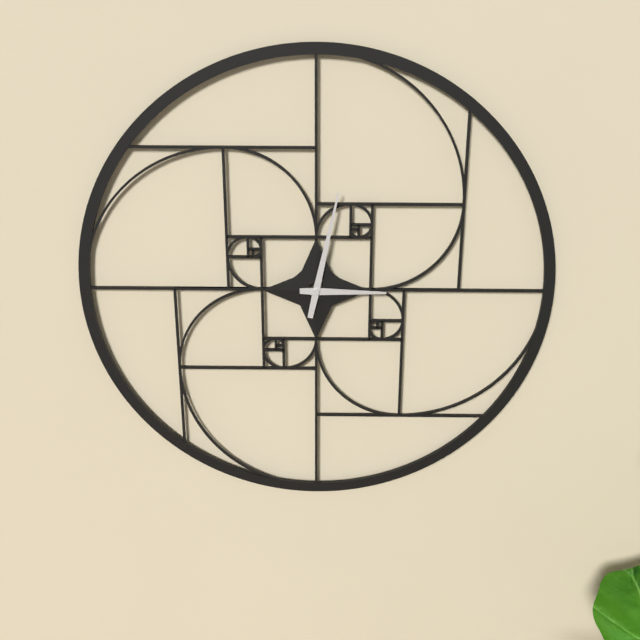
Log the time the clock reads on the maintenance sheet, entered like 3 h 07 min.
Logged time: 3 h 02 min
